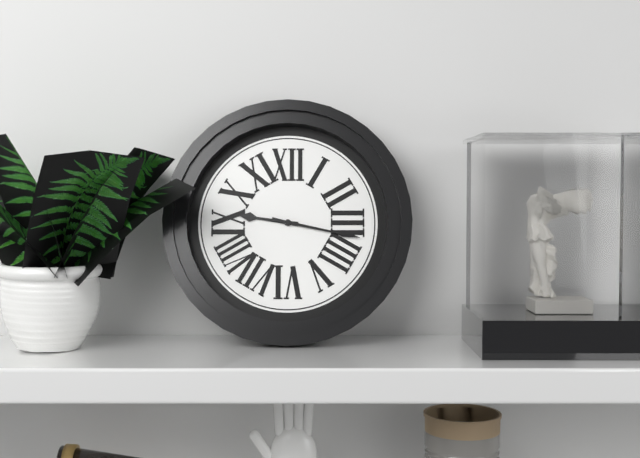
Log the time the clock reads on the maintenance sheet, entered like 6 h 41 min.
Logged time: 9 h 17 min
